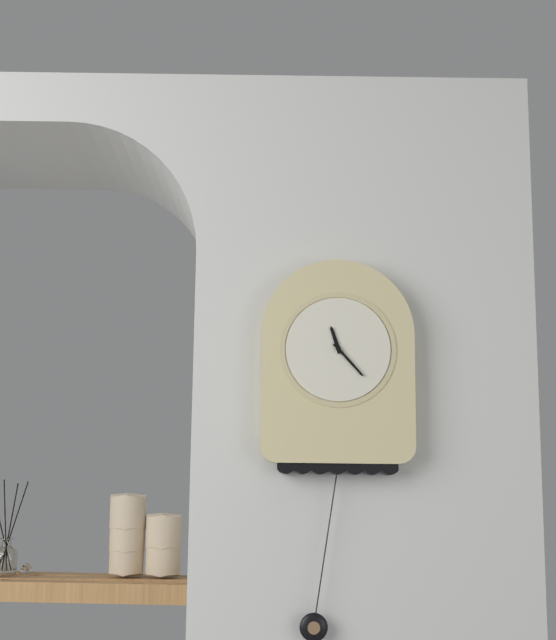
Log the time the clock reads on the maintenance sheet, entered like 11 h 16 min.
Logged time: 11 h 23 min
